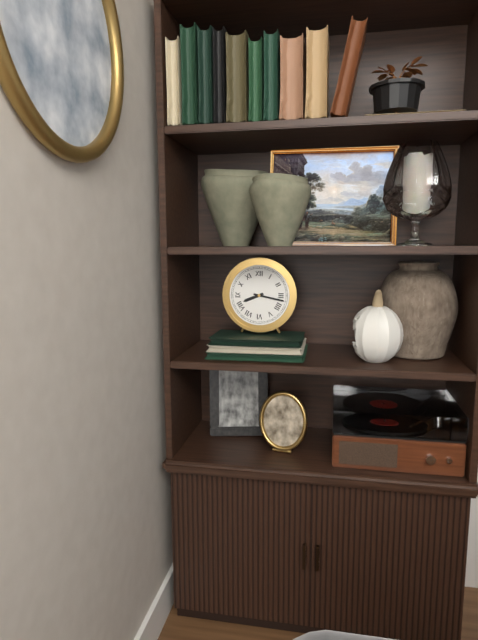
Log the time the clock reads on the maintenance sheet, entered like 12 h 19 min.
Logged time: 8 h 17 min
